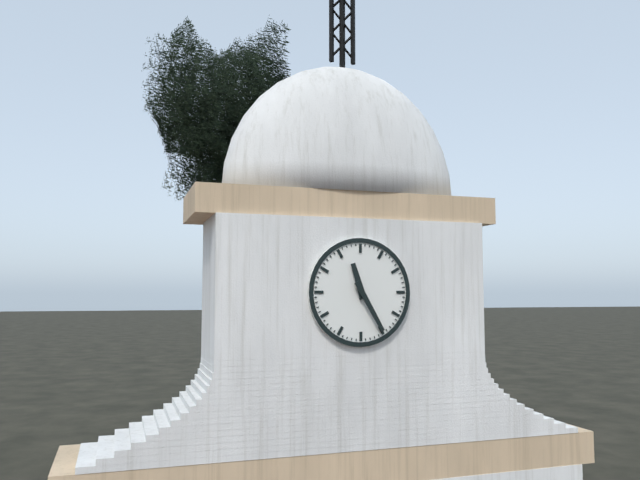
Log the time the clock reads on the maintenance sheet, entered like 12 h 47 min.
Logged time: 11 h 25 min
